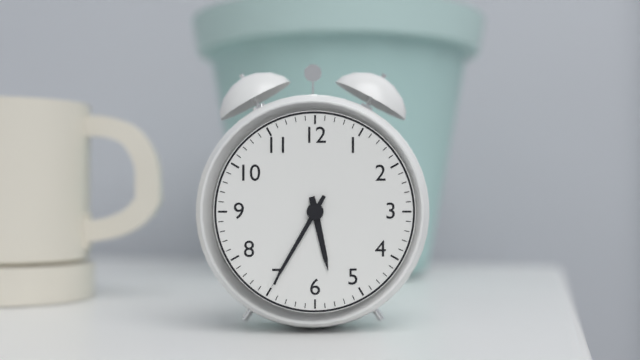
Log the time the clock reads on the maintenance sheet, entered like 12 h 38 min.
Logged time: 5 h 35 min
